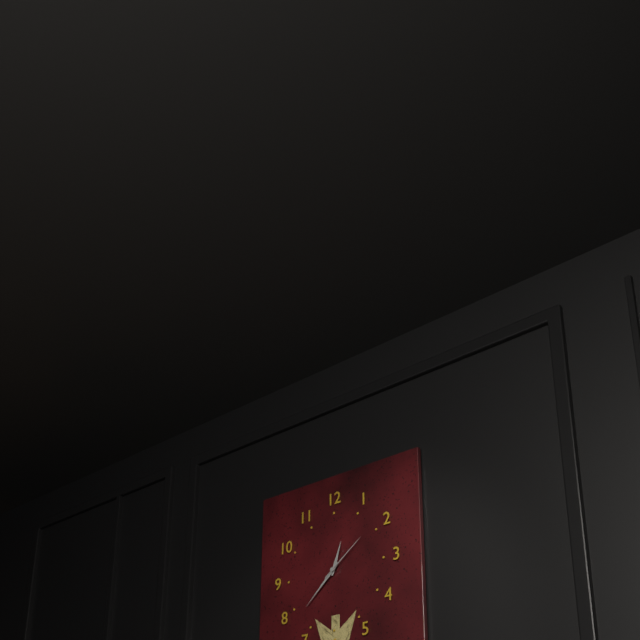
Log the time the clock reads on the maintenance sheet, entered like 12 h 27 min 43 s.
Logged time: 12 h 38 min 09 s
